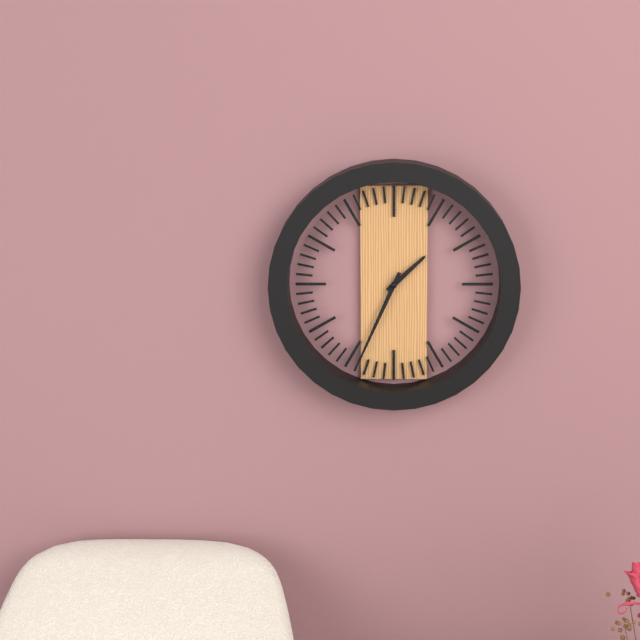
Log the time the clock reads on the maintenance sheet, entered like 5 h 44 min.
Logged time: 1 h 34 min
